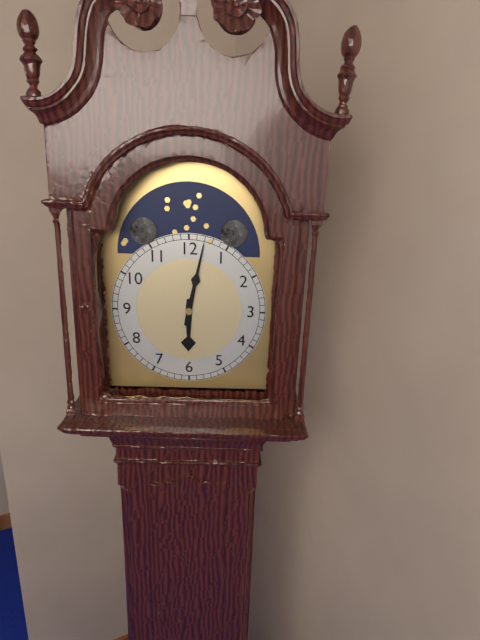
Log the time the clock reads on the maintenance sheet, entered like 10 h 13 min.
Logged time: 6 h 02 min
